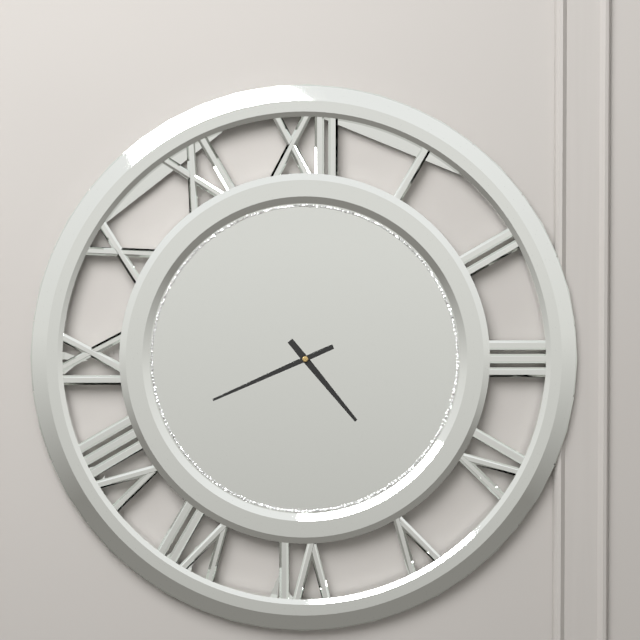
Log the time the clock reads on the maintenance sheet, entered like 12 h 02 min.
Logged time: 4 h 41 min
